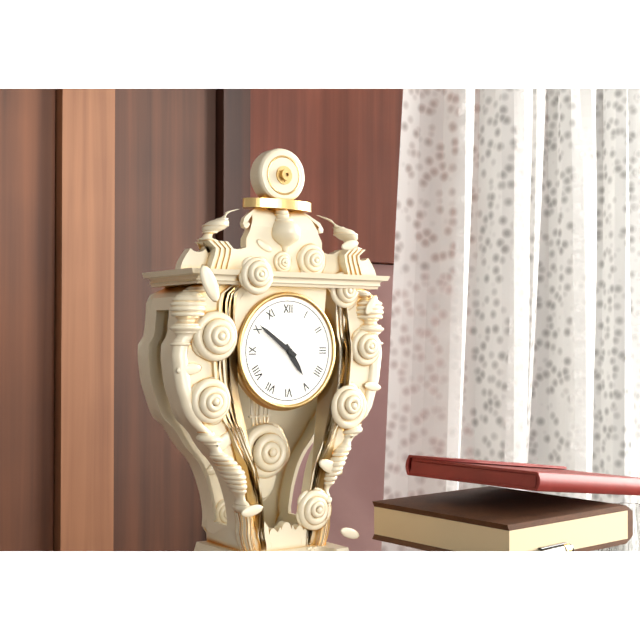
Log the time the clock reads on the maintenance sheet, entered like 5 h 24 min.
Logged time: 4 h 51 min
